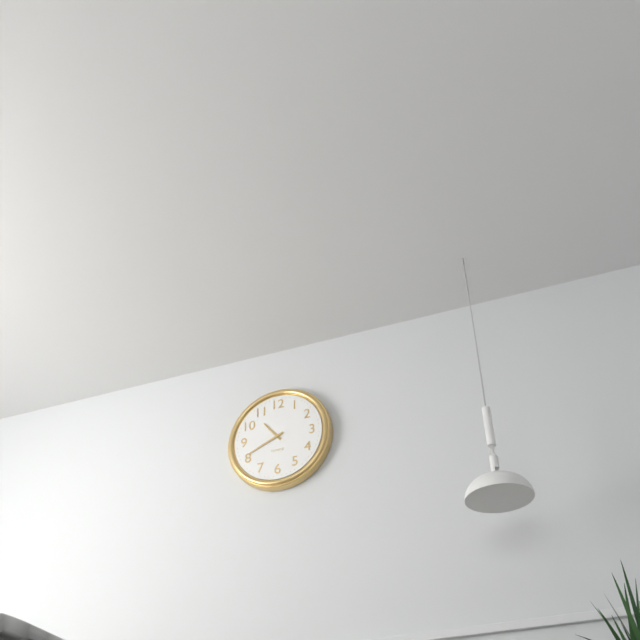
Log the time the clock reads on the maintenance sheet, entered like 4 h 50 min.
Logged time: 10 h 41 min
